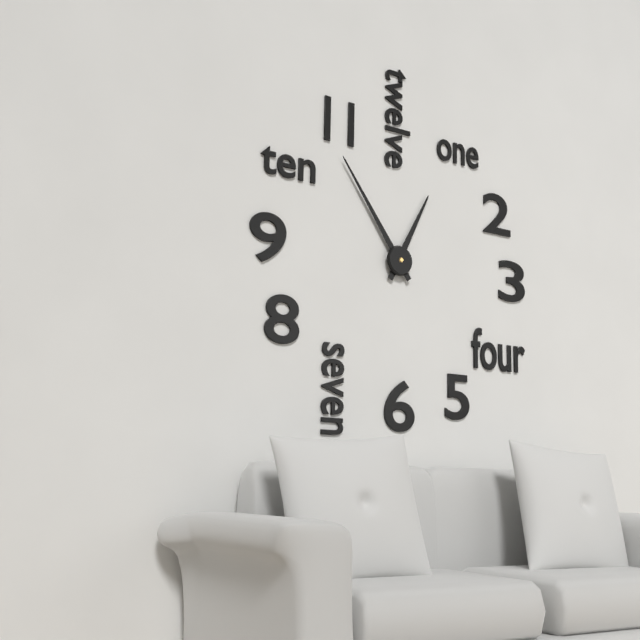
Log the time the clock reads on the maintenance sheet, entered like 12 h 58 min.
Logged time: 12 h 54 min
